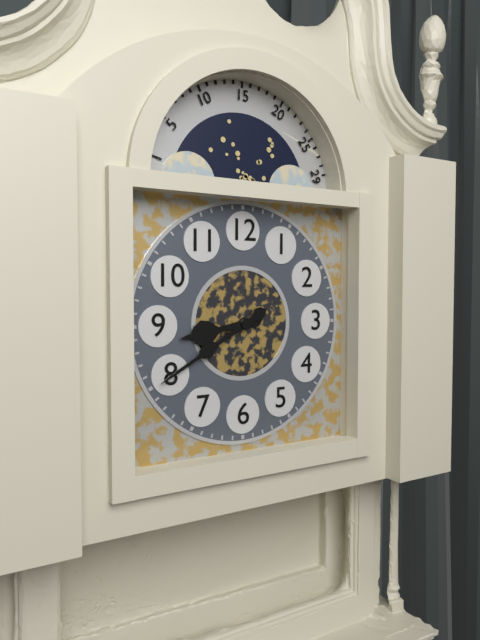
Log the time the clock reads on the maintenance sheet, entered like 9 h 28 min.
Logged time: 8 h 40 min
